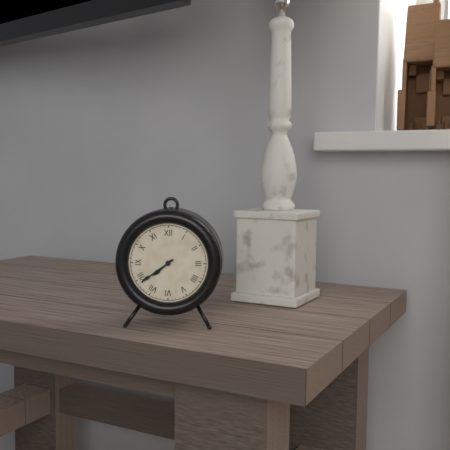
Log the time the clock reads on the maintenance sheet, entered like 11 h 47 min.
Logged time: 7 h 39 min
